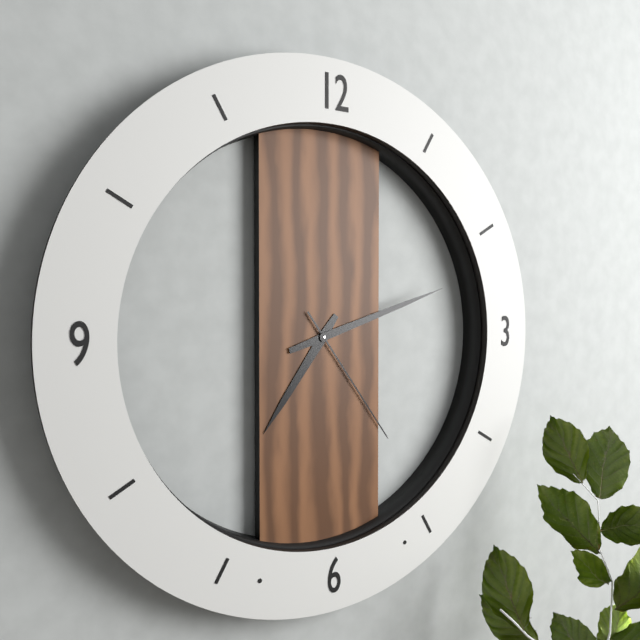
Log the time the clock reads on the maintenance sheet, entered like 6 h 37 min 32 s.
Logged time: 7 h 12 min 24 s
